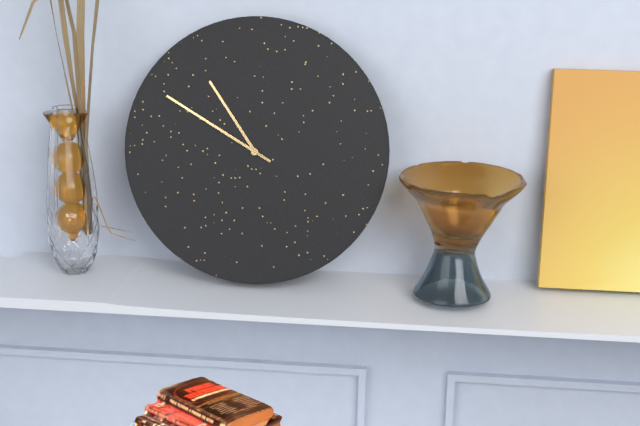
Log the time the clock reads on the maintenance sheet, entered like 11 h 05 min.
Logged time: 10 h 50 min
